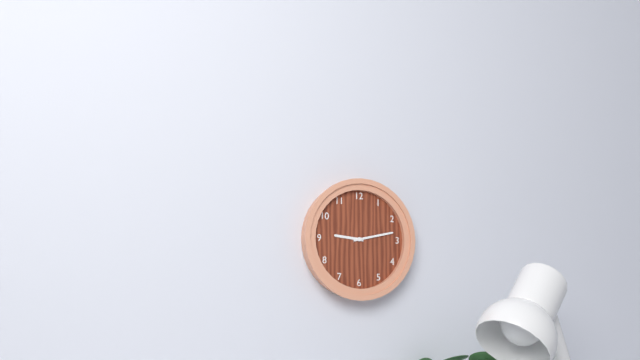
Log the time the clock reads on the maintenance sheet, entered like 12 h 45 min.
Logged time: 9 h 13 min
